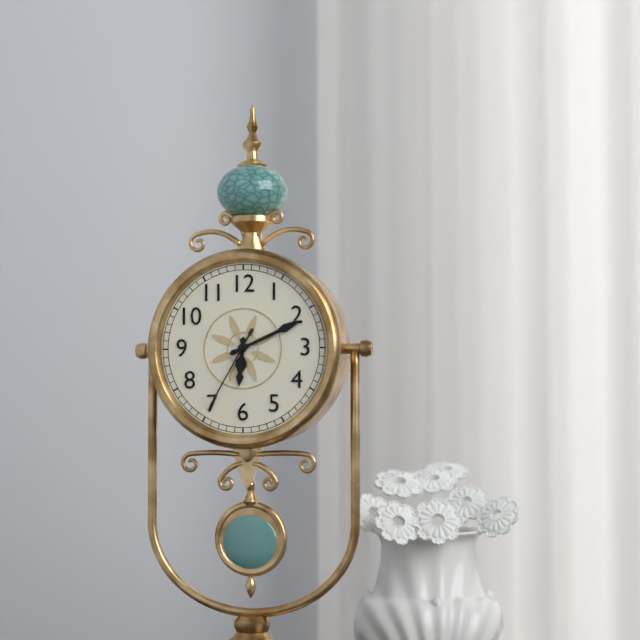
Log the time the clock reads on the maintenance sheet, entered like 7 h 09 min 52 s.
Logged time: 6 h 11 min 35 s
